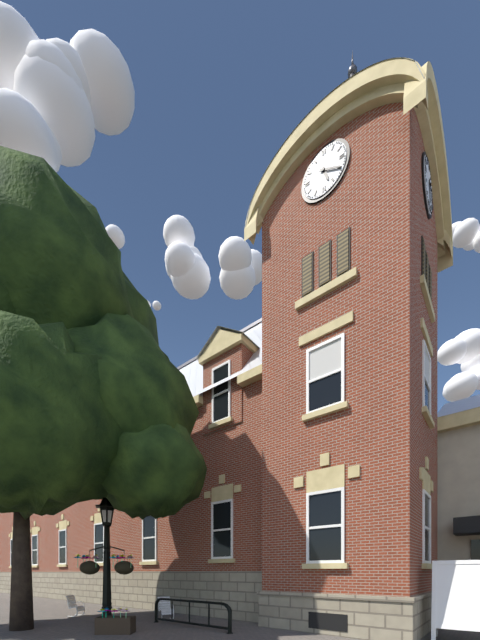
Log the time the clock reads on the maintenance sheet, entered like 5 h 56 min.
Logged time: 5 h 20 min
